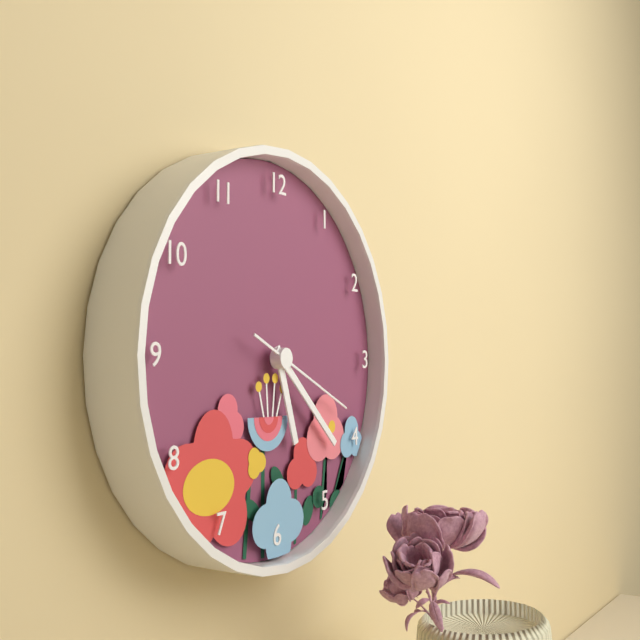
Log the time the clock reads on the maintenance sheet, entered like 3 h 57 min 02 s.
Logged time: 5 h 22 min 19 s
